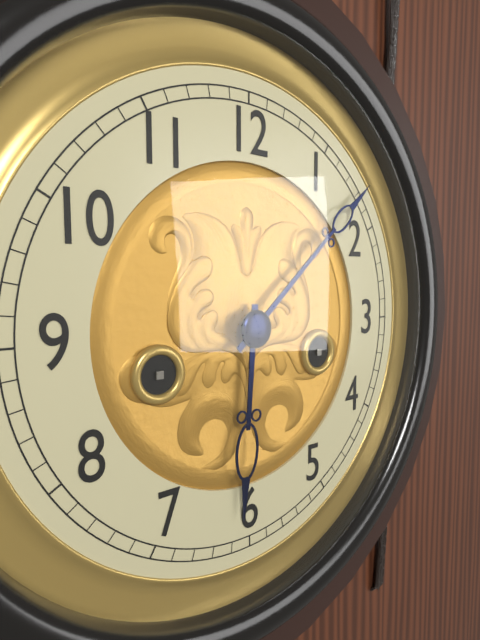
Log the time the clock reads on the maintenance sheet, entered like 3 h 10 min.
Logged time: 6 h 08 min
